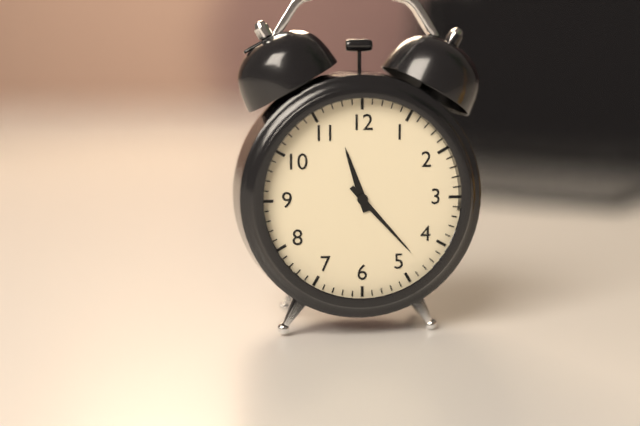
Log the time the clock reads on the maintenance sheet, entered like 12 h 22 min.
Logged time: 11 h 23 min
